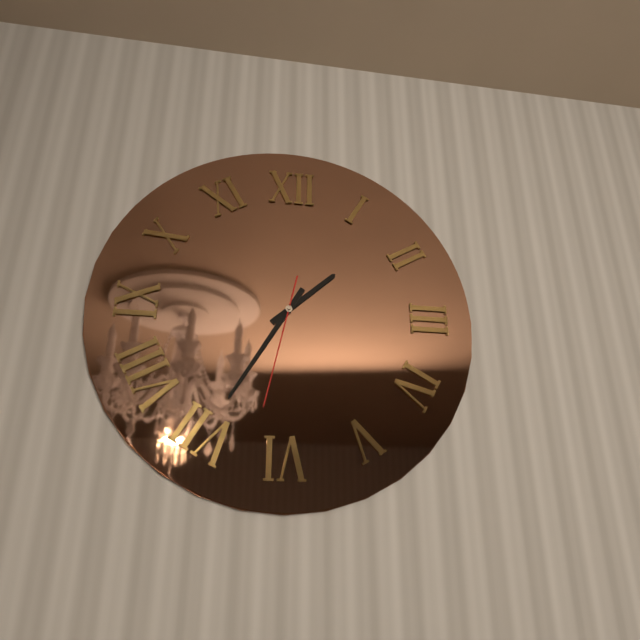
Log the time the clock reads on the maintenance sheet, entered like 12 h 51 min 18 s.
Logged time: 1 h 35 min 32 s
